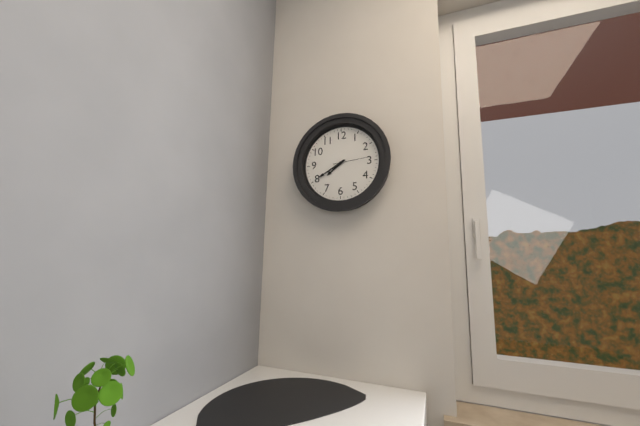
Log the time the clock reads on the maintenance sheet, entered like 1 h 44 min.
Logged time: 7 h 40 min
